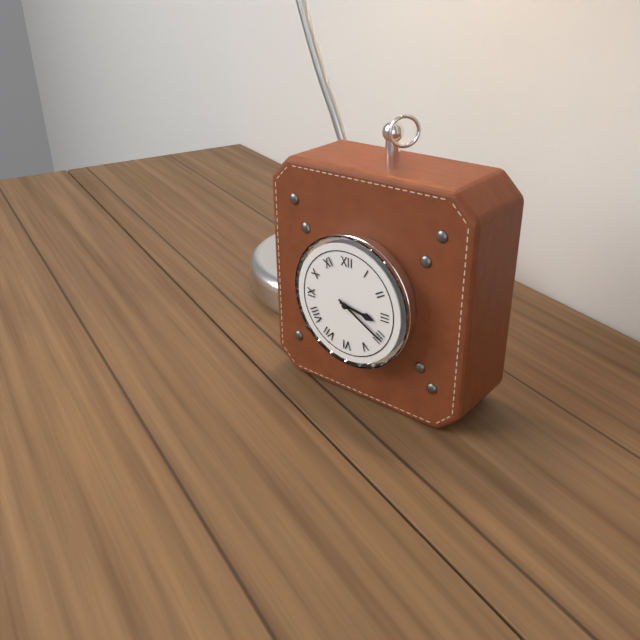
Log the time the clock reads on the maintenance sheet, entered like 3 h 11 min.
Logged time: 3 h 20 min
